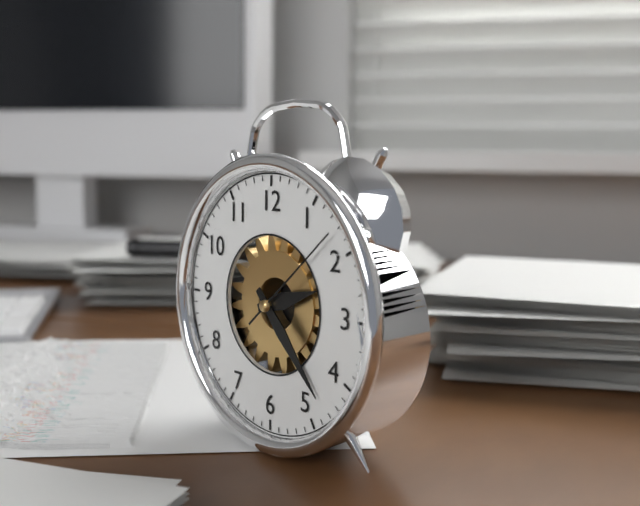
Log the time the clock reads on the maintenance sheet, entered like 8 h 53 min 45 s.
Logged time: 2 h 23 min 08 s
